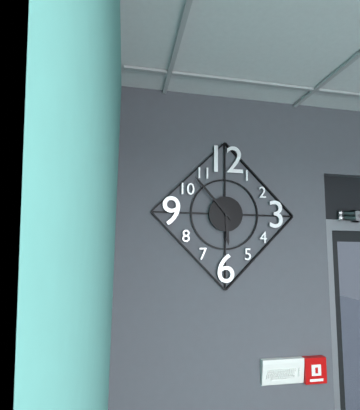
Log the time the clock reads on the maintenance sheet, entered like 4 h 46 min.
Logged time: 5 h 53 min
